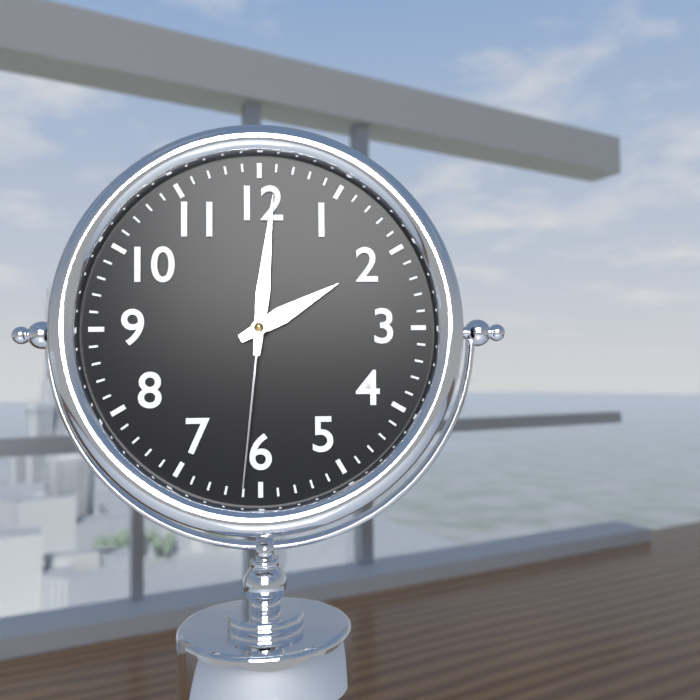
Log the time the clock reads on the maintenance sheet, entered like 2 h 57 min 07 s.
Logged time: 2 h 01 min 31 s
